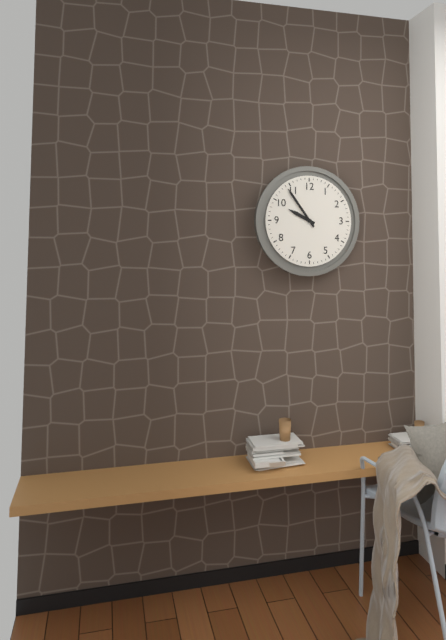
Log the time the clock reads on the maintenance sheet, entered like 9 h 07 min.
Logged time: 9 h 54 min
